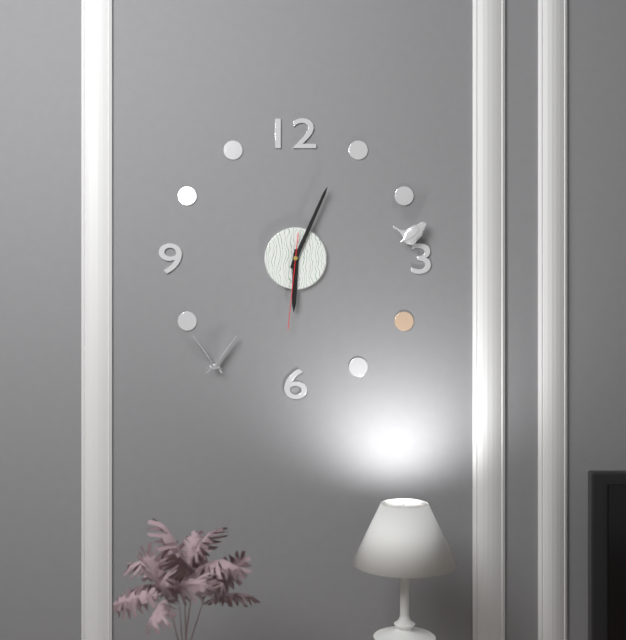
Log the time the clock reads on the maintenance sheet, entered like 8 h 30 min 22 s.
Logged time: 6 h 04 min 31 s
